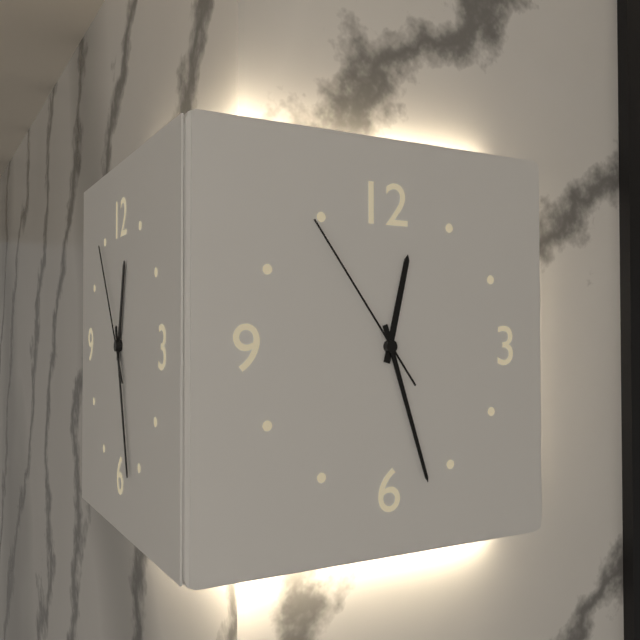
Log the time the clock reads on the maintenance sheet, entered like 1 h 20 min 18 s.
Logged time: 12 h 27 min 54 s
